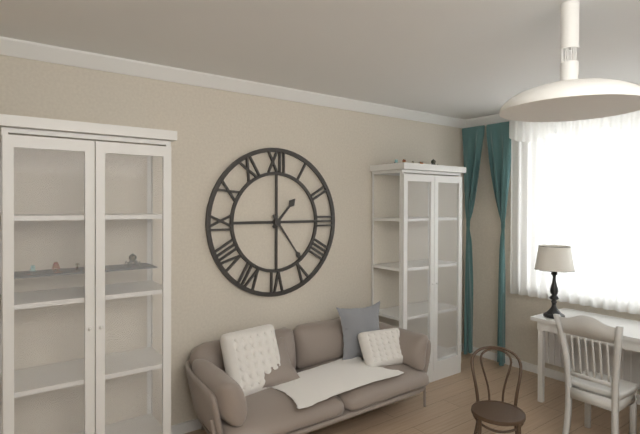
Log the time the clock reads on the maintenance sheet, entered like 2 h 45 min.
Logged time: 1 h 24 min
